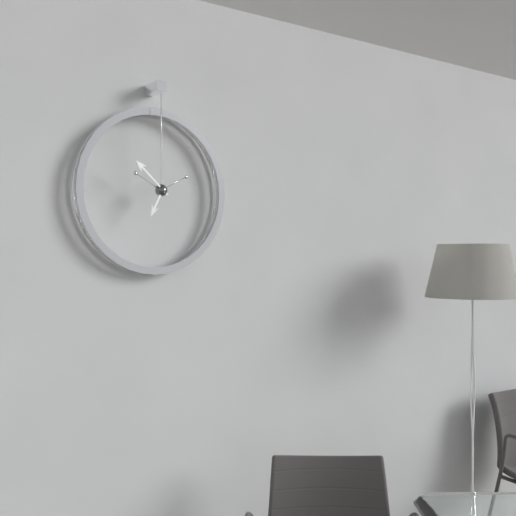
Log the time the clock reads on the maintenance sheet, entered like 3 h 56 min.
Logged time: 6 h 52 min
